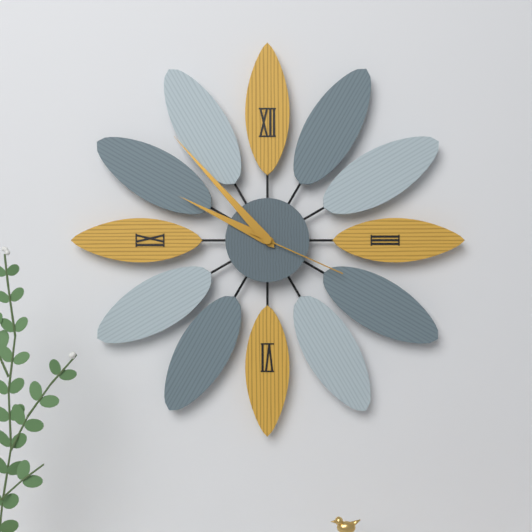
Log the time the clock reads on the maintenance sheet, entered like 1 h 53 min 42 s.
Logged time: 9 h 53 min 19 s
